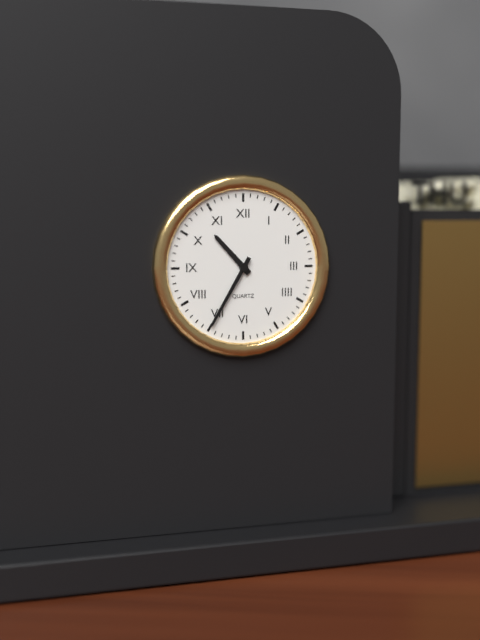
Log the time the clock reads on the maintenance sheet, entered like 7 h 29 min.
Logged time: 10 h 35 min
